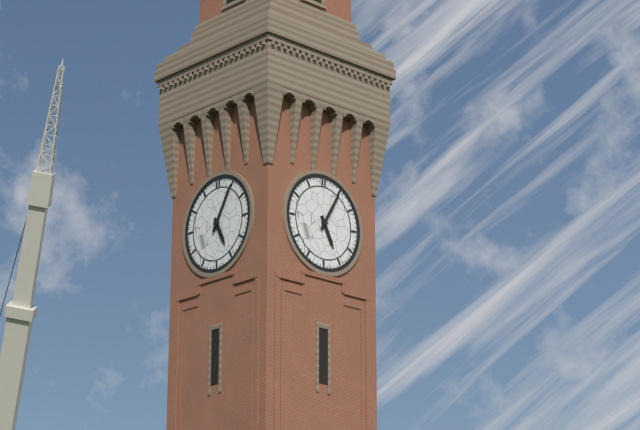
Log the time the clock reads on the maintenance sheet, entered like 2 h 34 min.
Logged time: 5 h 05 min
